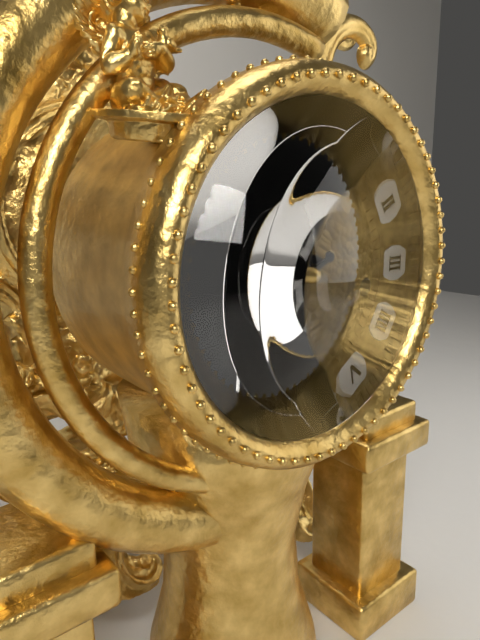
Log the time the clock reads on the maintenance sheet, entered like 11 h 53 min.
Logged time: 7 h 39 min
